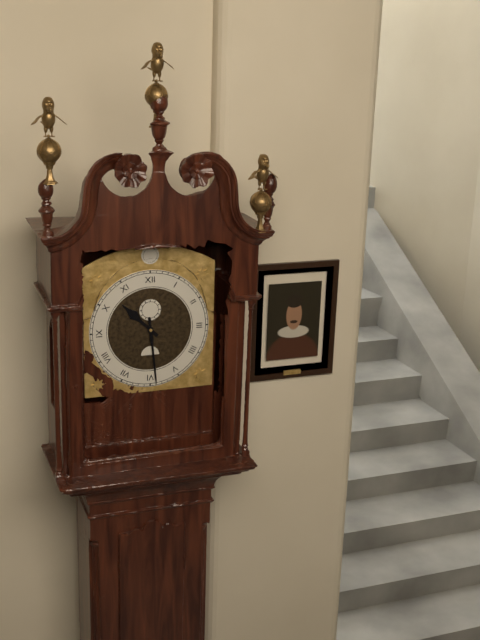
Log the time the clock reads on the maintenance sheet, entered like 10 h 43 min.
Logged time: 10 h 29 min
